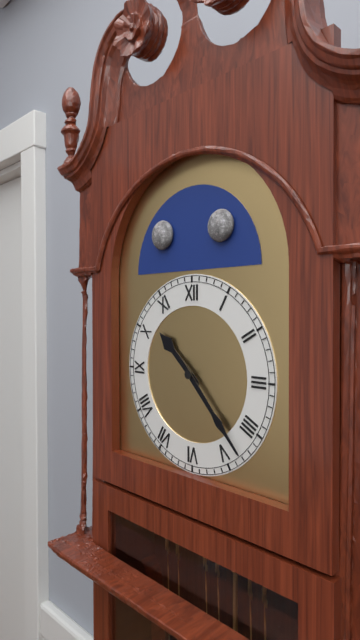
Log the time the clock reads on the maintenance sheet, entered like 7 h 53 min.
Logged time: 10 h 23 min
